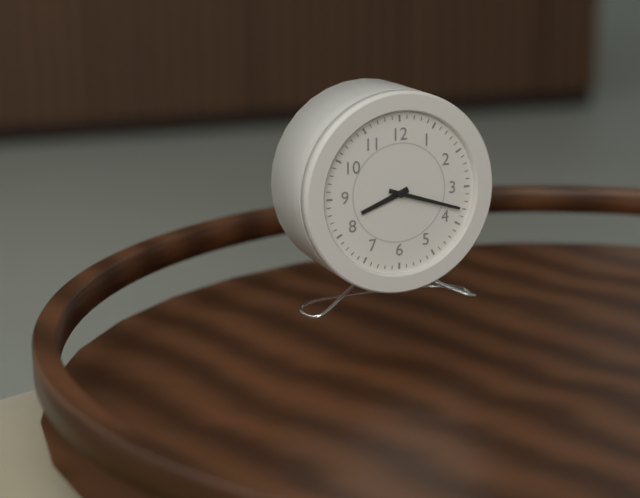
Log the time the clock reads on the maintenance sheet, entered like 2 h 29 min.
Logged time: 8 h 18 min
